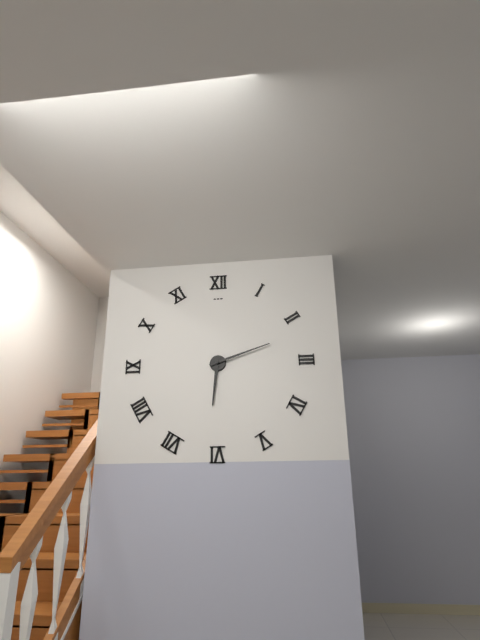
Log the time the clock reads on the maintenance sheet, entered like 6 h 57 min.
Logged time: 6 h 12 min
